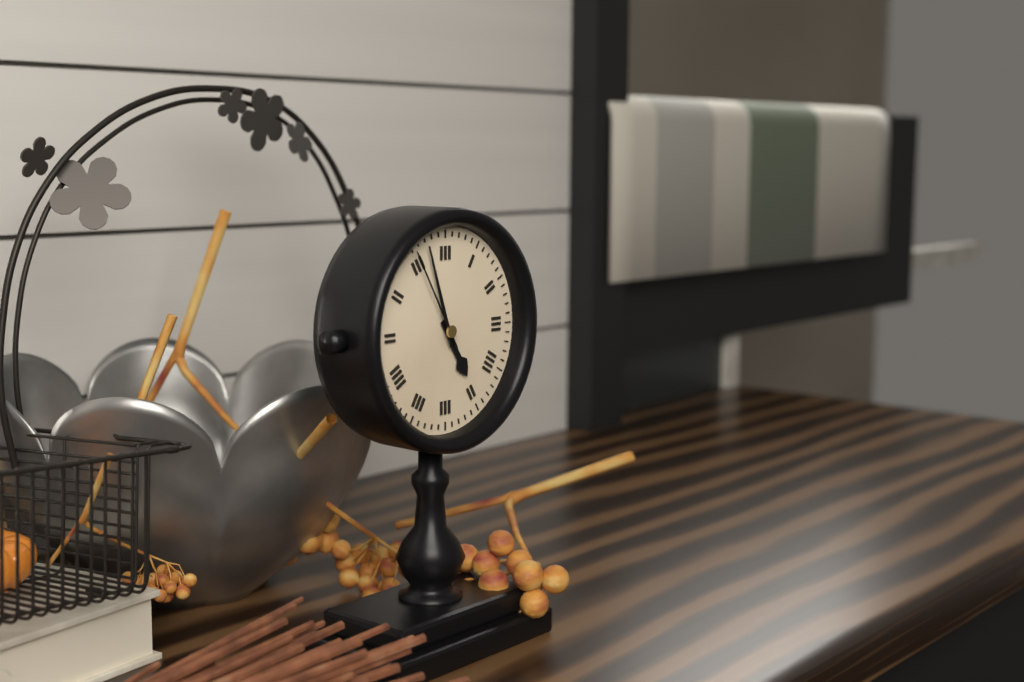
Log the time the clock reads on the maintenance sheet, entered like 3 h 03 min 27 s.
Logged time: 4 h 57 min 55 s
